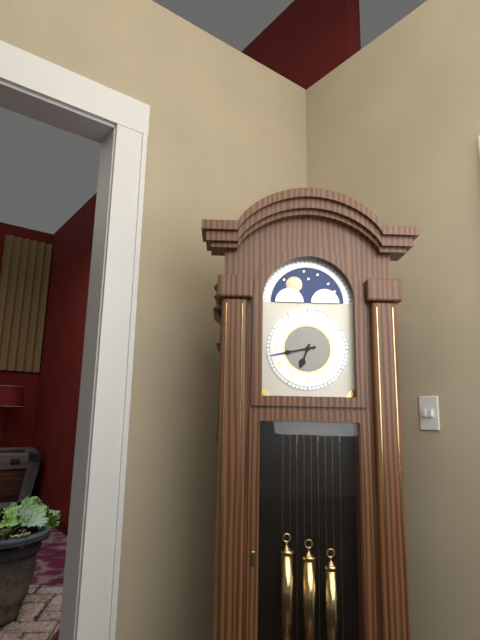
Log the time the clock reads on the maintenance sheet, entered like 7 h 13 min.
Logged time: 6 h 43 min
